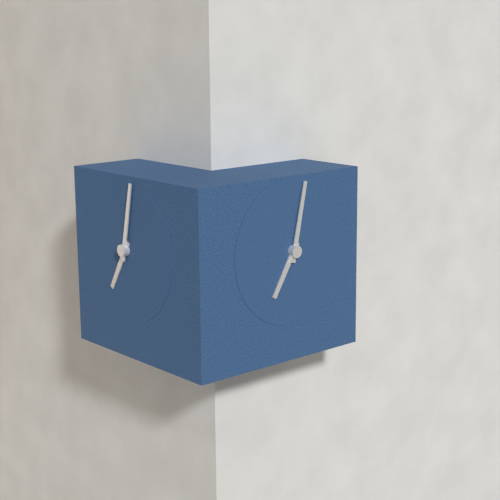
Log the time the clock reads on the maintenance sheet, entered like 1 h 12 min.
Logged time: 7 h 02 min
